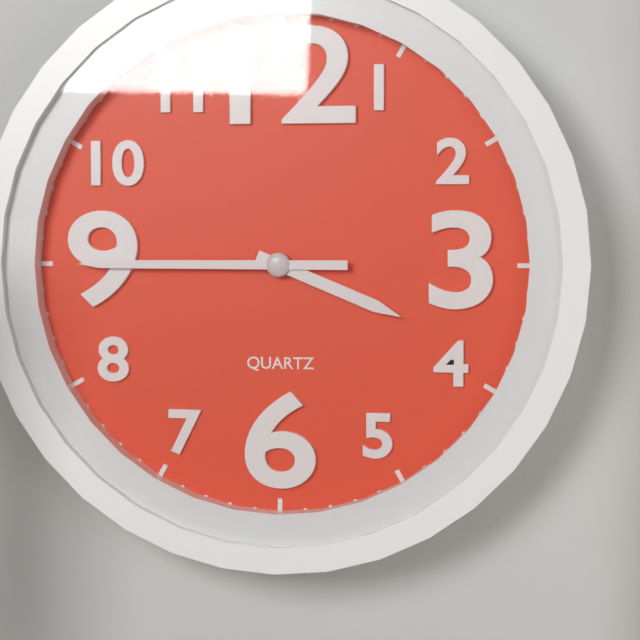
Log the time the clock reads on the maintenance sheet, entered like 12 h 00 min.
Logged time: 3 h 45 min
